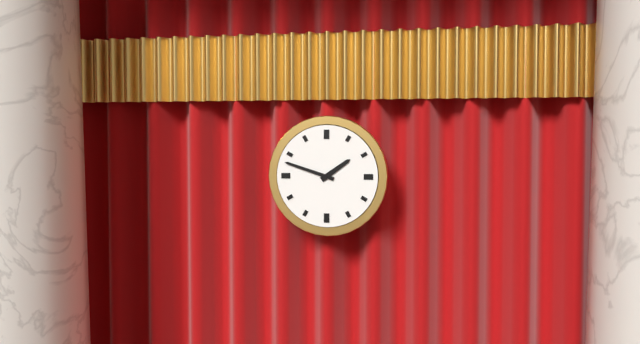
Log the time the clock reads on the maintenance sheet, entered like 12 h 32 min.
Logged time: 1 h 48 min
